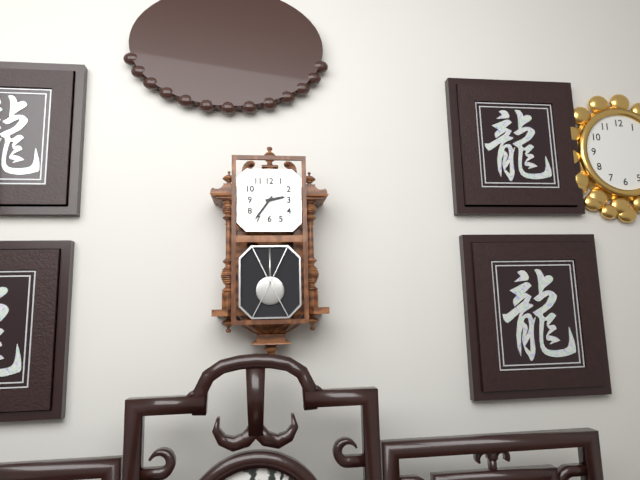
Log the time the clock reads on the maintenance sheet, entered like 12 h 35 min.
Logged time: 2 h 36 min
